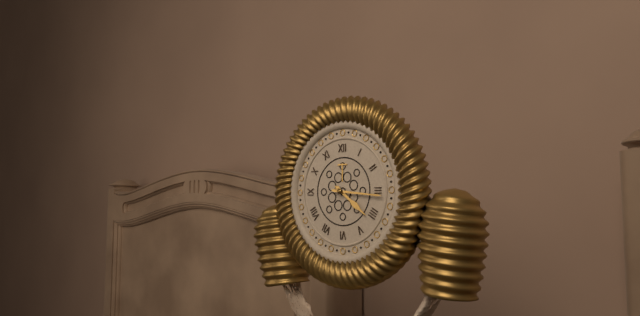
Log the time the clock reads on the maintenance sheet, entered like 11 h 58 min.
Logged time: 4 h 16 min
